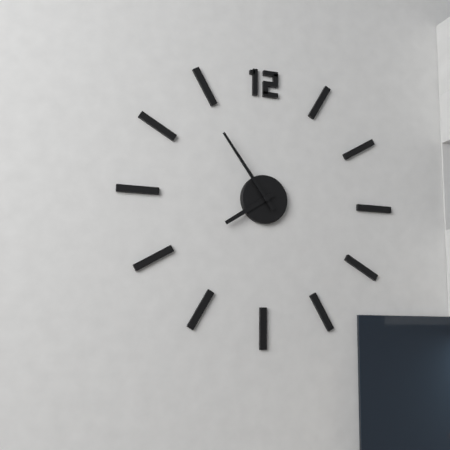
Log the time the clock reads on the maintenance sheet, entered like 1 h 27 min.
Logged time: 7 h 54 min
